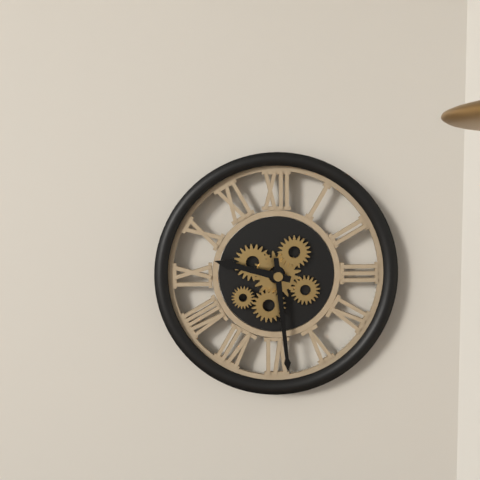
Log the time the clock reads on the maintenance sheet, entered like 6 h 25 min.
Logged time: 9 h 29 min
